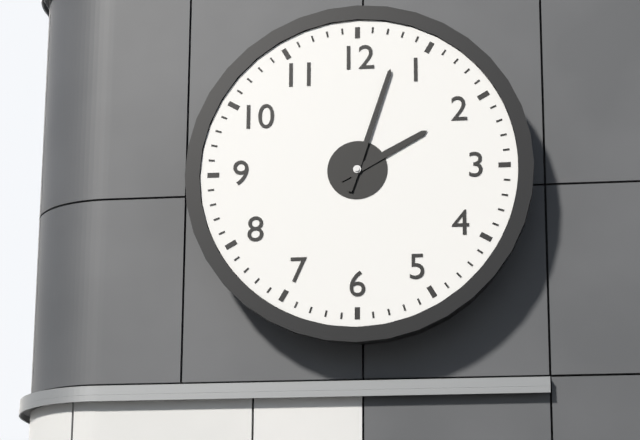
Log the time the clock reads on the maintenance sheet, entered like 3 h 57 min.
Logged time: 2 h 03 min
